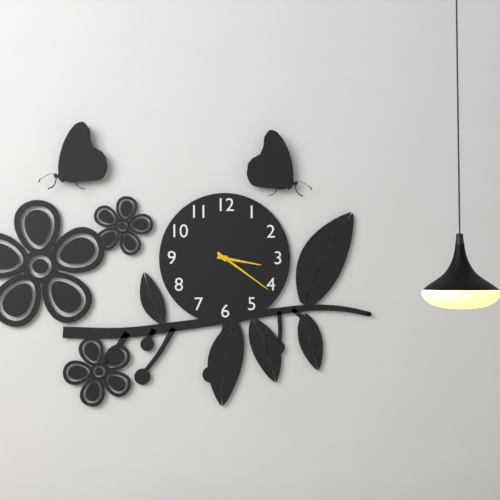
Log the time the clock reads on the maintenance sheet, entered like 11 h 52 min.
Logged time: 3 h 21 min
